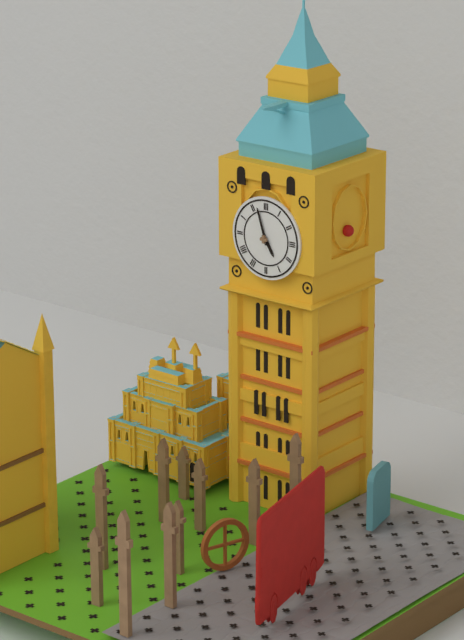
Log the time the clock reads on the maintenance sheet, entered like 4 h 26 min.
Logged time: 4 h 57 min
